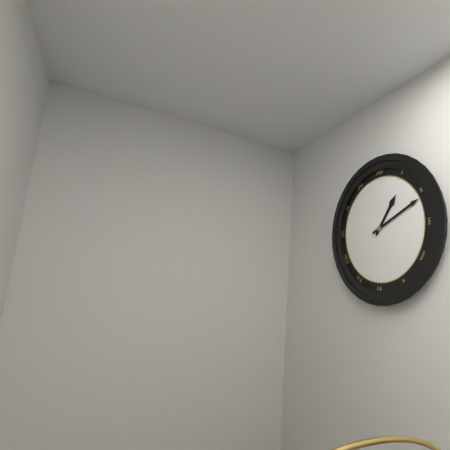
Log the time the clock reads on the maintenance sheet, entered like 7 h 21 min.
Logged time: 1 h 11 min
